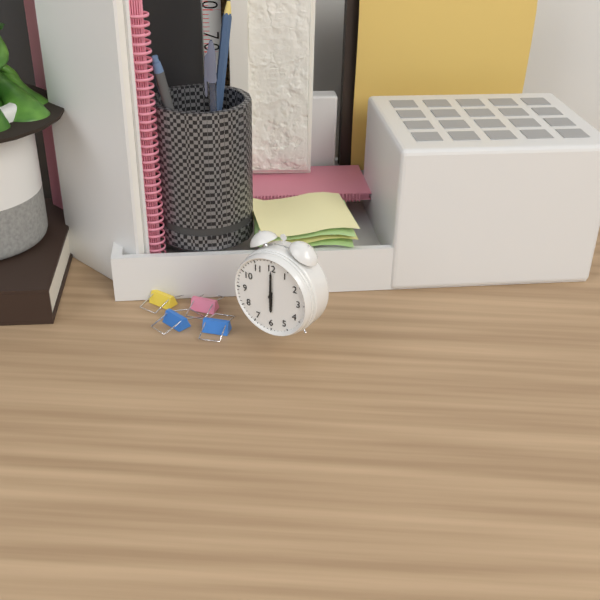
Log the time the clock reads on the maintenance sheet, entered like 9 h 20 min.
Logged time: 6 h 00 min
